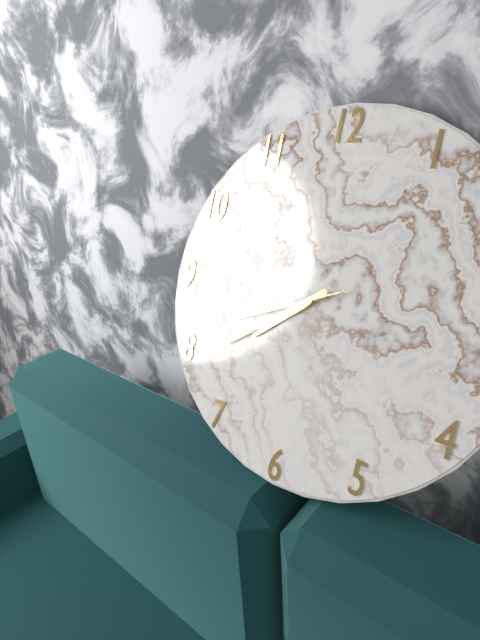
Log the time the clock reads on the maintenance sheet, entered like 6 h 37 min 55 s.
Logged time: 7 h 39 min 41 s
